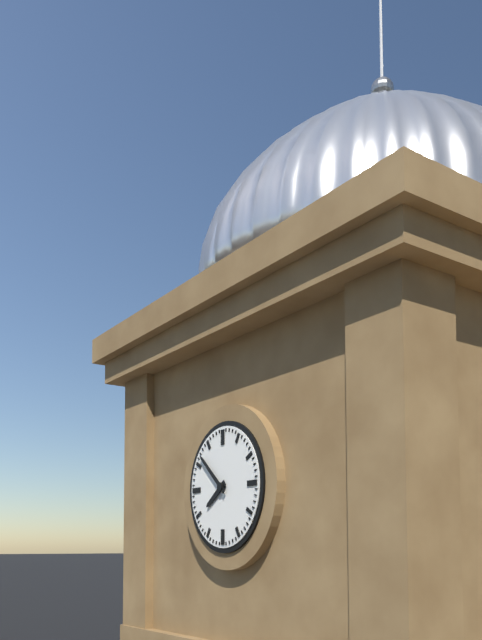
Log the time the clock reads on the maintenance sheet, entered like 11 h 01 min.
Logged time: 7 h 52 min
